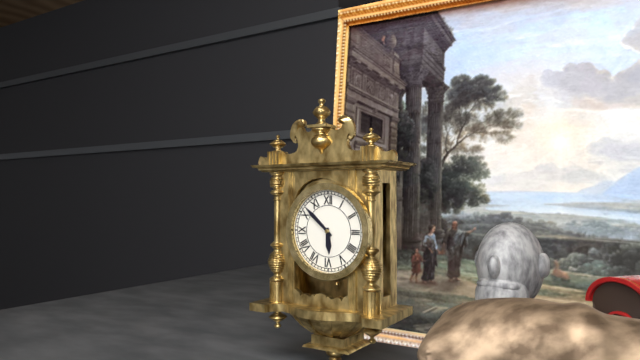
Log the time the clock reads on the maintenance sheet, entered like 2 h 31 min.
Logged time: 5 h 52 min
